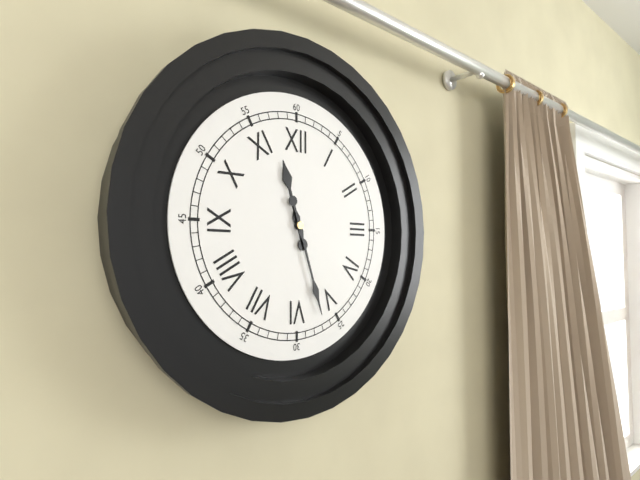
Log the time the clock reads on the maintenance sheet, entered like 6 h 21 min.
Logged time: 11 h 27 min
